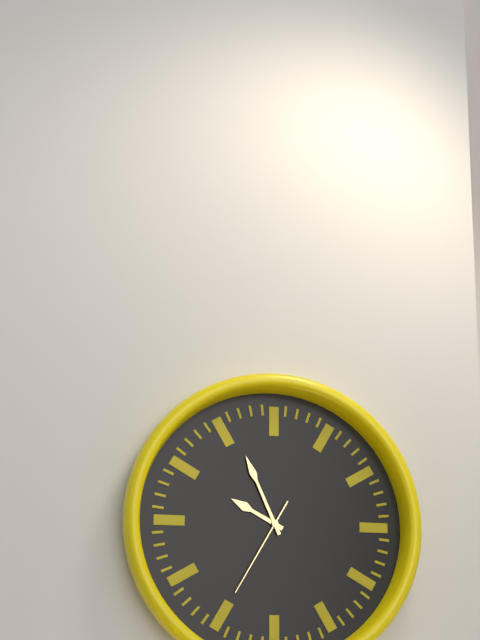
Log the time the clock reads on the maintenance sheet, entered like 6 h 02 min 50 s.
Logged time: 9 h 56 min 35 s
